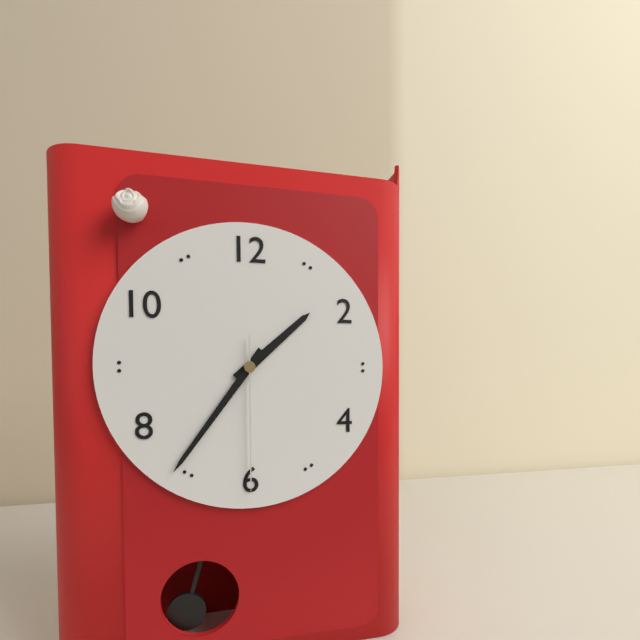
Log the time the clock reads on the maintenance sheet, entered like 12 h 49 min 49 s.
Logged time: 1 h 36 min 30 s
